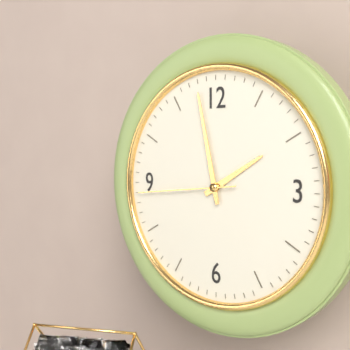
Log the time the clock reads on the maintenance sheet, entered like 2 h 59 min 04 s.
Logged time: 1 h 58 min 44 s
